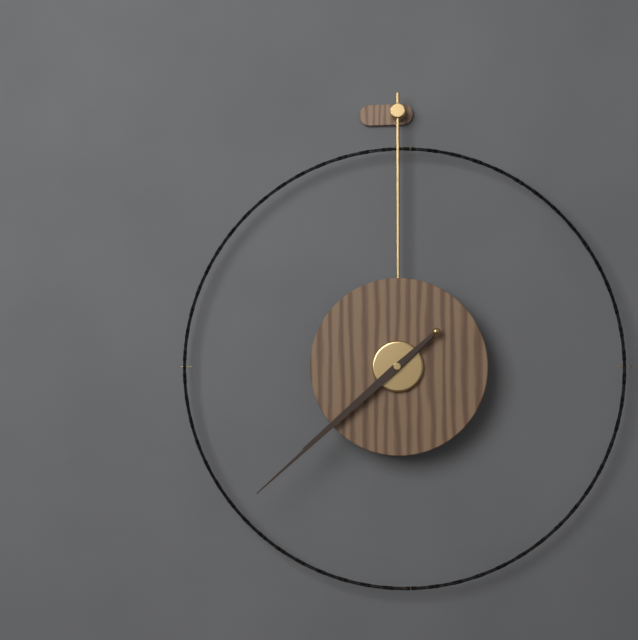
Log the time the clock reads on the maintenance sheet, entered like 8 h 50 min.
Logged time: 7 h 38 min
